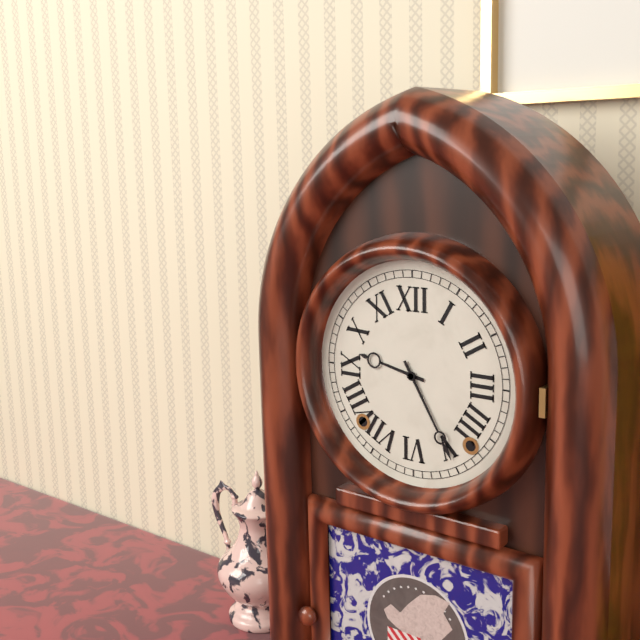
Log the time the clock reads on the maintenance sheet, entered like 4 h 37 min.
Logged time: 9 h 25 min
